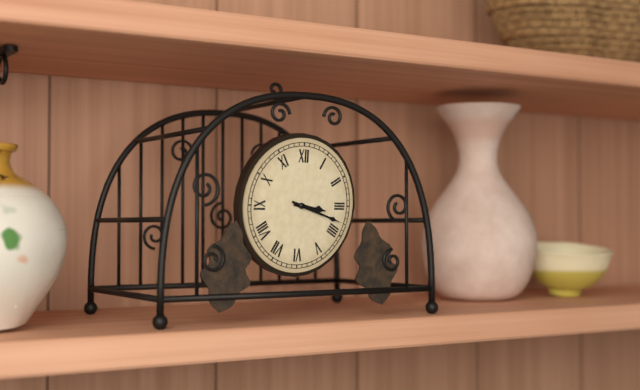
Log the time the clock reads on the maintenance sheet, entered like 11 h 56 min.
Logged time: 3 h 18 min
